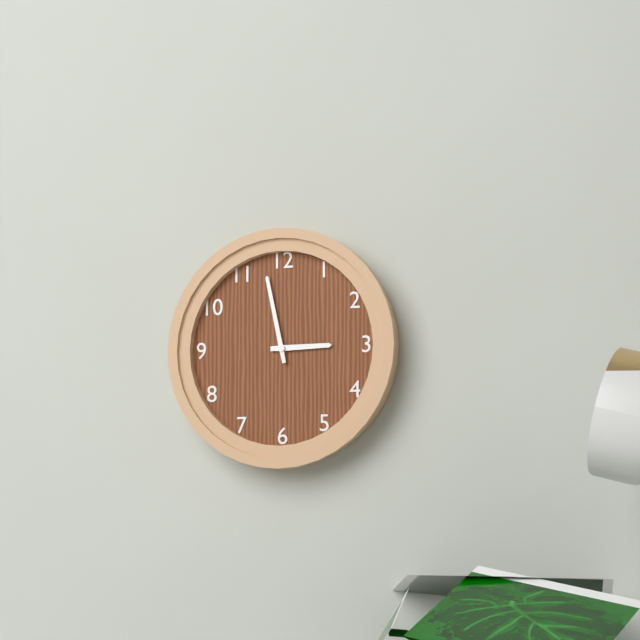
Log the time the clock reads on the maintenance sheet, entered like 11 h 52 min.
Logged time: 2 h 58 min
